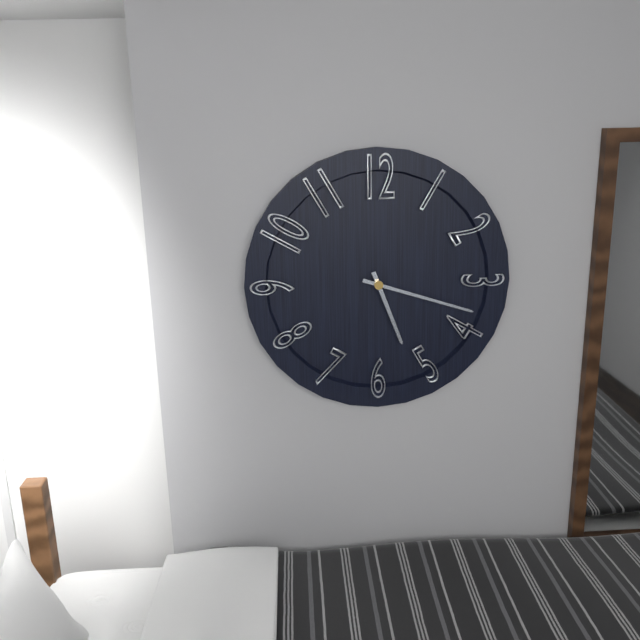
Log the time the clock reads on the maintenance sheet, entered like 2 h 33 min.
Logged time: 5 h 18 min
